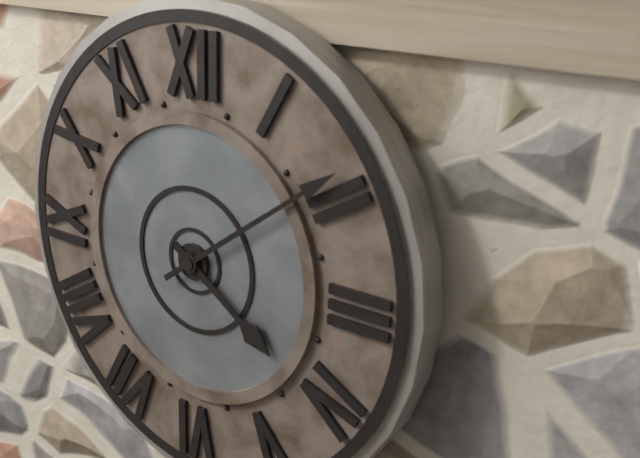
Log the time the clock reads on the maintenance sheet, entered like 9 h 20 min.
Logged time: 4 h 09 min
